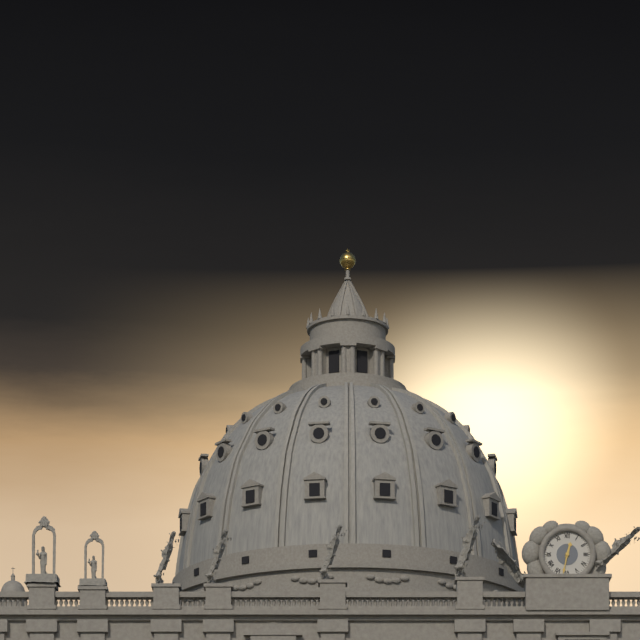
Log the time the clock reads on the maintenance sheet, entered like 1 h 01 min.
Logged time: 12 h 32 min
